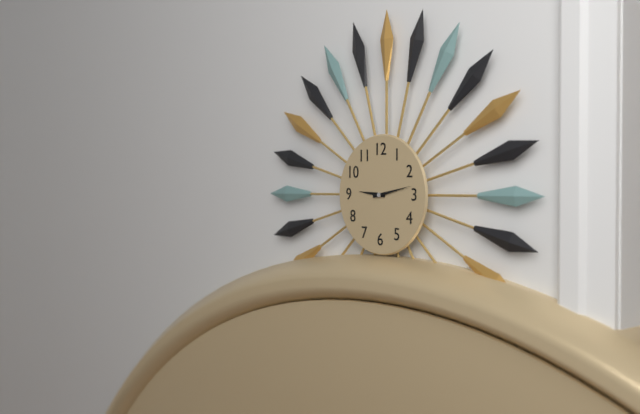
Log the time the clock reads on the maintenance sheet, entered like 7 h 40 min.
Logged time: 9 h 13 min
